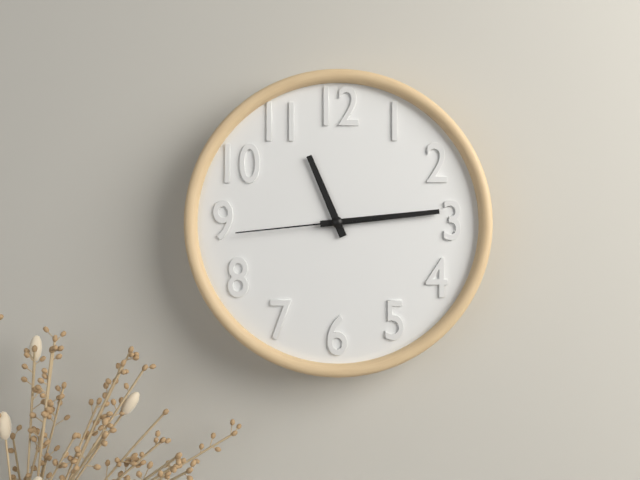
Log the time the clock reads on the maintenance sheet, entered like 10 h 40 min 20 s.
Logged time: 11 h 14 min 44 s
